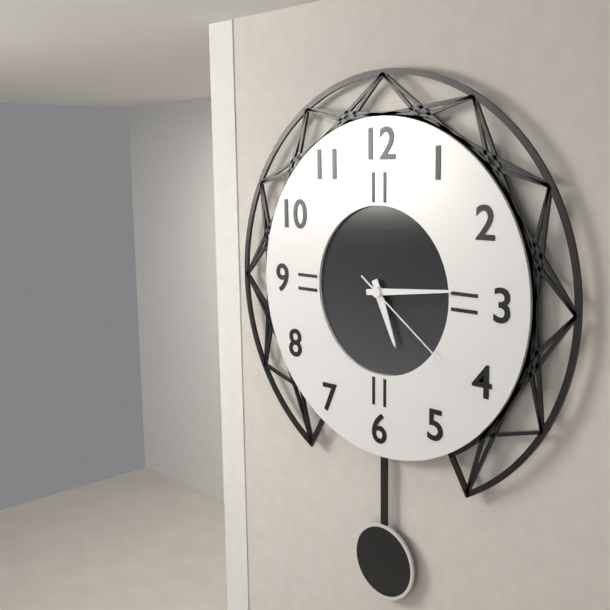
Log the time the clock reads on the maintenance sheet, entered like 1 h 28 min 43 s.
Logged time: 5 h 14 min 21 s
